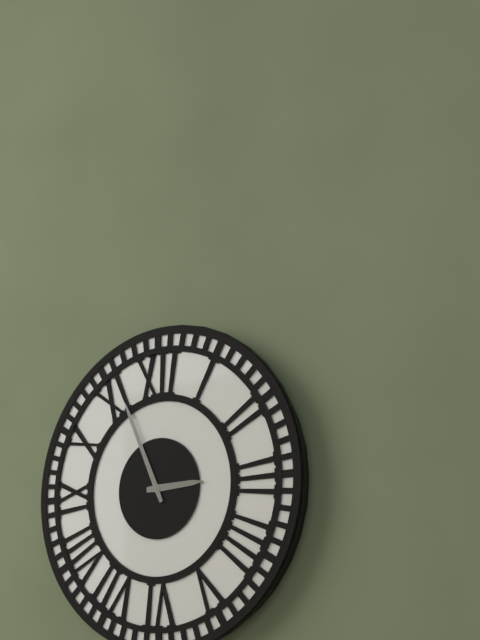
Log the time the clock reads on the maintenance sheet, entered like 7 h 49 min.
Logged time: 2 h 56 min
